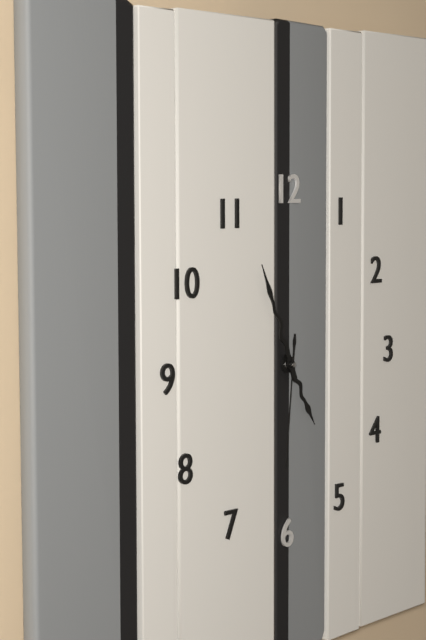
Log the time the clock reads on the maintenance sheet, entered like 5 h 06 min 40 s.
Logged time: 4 h 56 min 31 s
